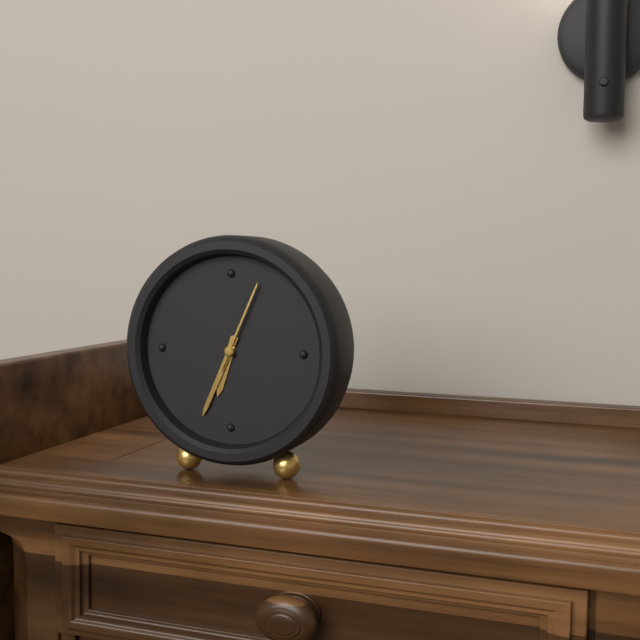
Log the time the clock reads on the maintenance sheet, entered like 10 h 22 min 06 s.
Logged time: 6 h 34 min 04 s
